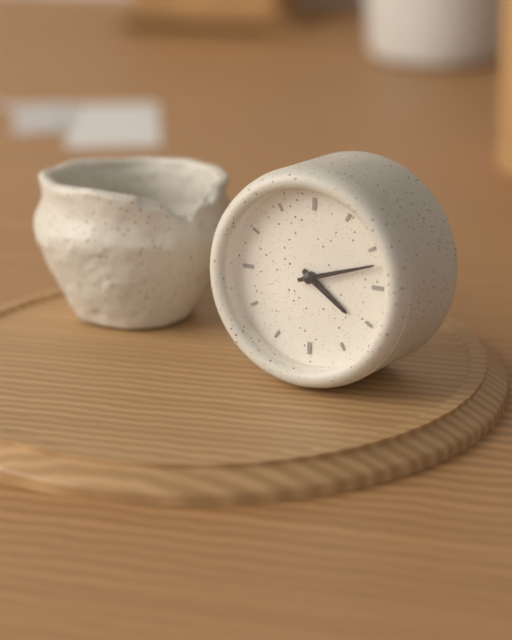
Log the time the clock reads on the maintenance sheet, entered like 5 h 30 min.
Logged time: 4 h 12 min
